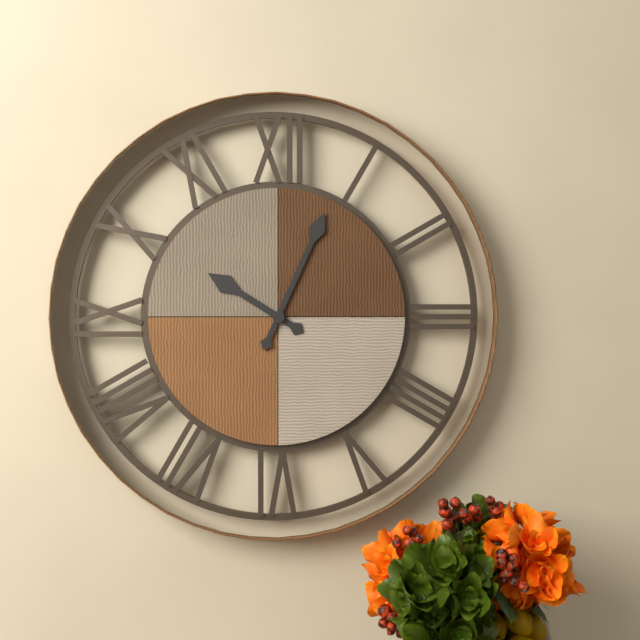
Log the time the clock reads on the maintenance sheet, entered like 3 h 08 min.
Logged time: 10 h 04 min
